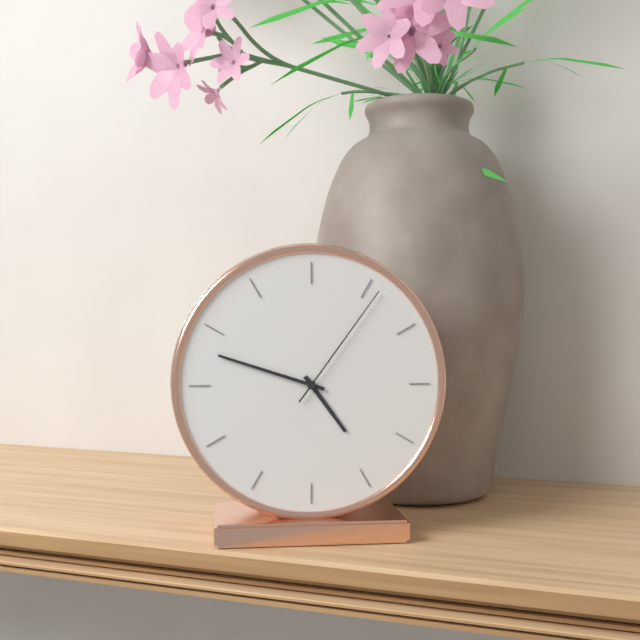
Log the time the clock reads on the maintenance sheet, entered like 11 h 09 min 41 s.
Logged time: 4 h 48 min 06 s
